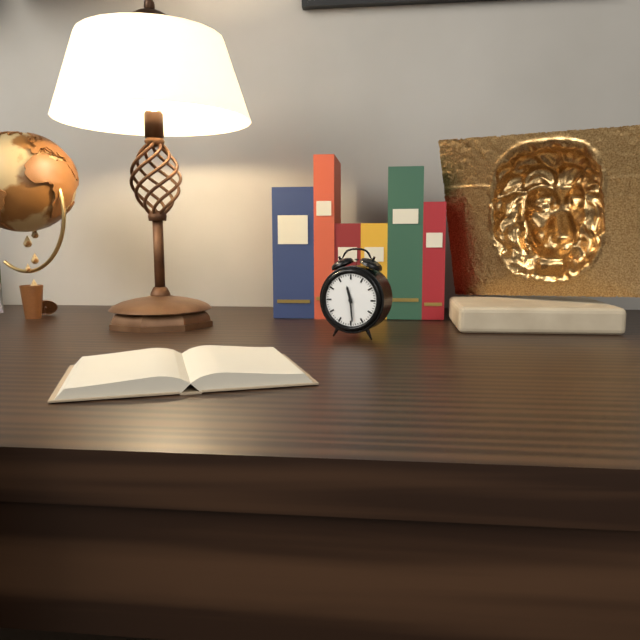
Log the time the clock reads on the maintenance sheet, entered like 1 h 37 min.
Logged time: 11 h 29 min
